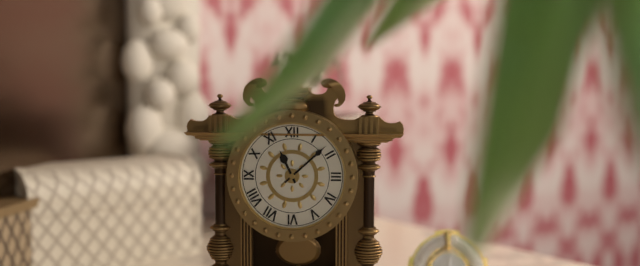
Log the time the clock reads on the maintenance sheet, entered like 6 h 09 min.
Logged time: 11 h 08 min
